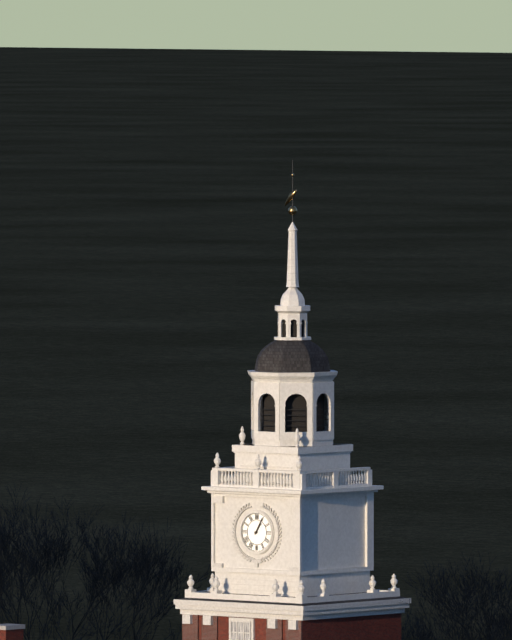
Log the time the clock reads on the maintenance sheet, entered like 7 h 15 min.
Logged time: 1 h 05 min
